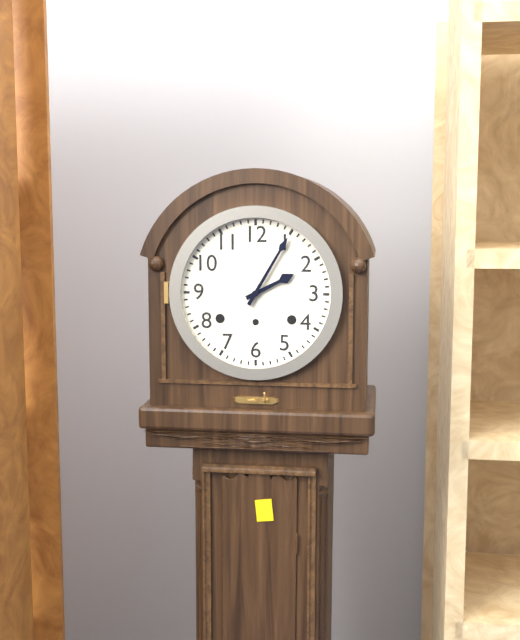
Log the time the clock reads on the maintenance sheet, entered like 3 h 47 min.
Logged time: 2 h 05 min
